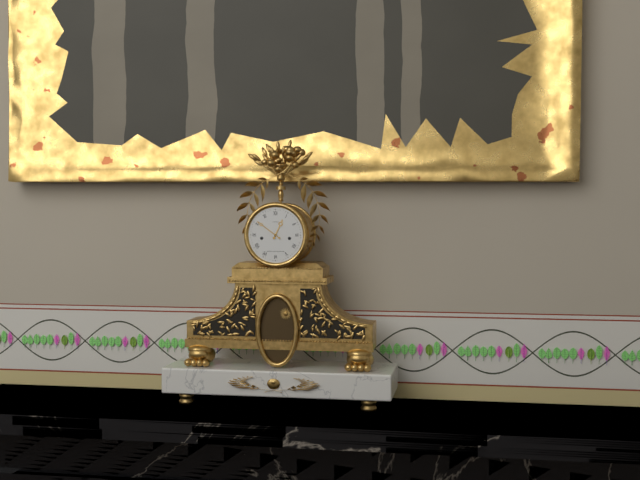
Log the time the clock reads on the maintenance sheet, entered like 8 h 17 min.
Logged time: 12 h 51 min
